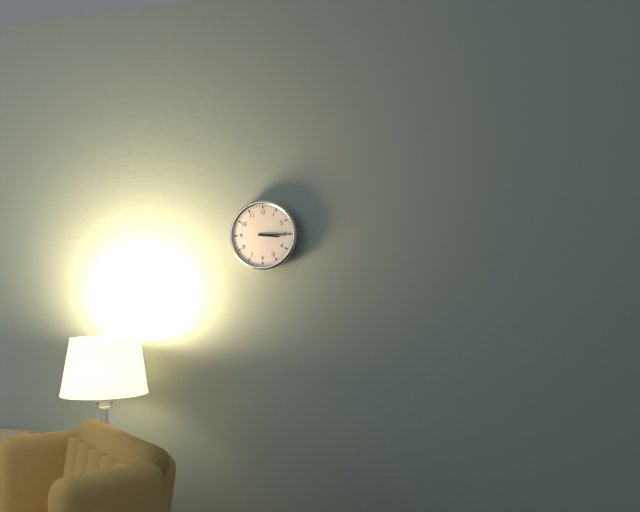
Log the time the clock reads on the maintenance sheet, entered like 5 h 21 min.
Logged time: 3 h 15 min
